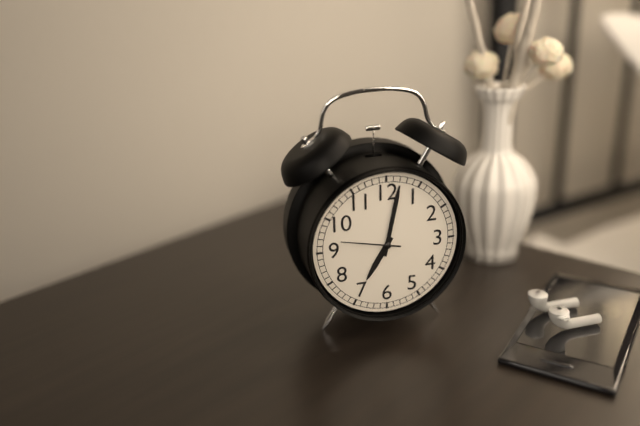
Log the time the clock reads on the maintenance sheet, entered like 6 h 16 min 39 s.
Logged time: 7 h 02 min 47 s
